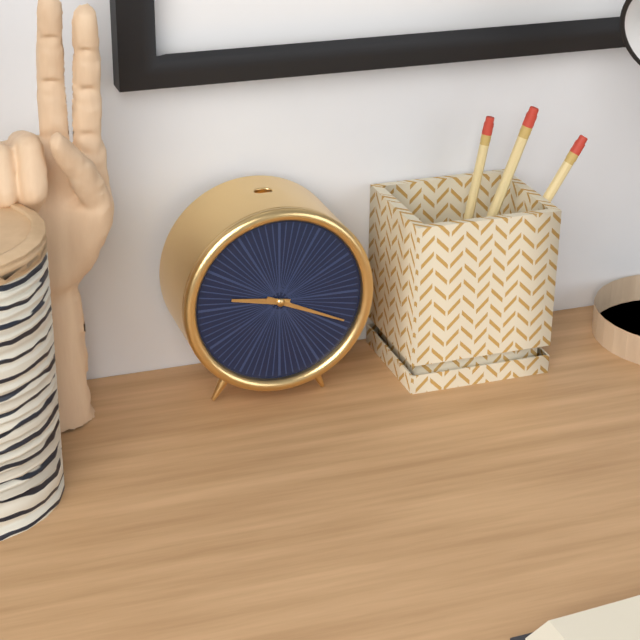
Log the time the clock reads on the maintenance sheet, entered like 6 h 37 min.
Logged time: 9 h 19 min
